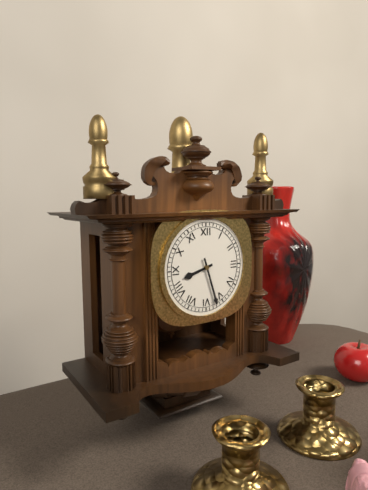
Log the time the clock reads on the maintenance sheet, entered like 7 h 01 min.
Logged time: 8 h 27 min
